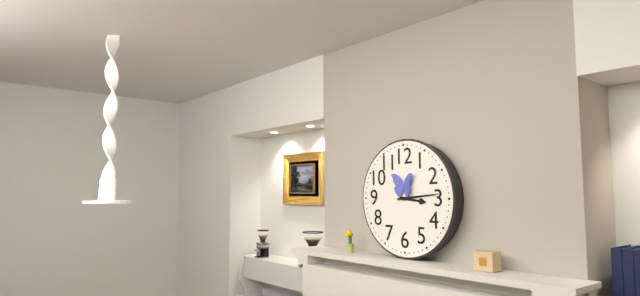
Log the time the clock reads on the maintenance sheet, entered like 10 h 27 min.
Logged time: 3 h 14 min
